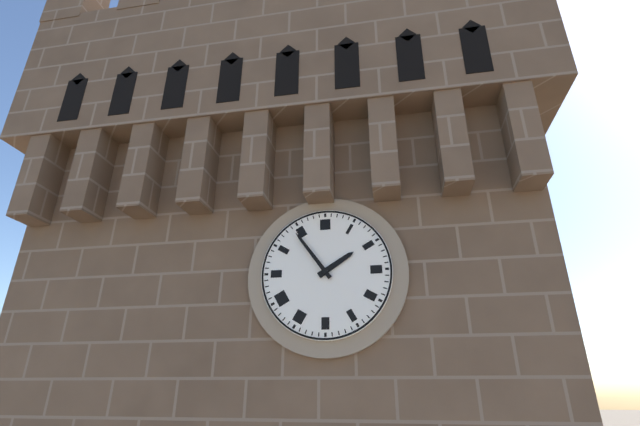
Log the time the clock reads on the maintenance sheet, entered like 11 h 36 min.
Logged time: 1 h 54 min
